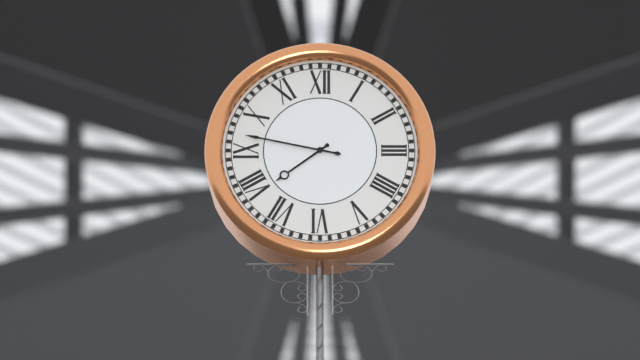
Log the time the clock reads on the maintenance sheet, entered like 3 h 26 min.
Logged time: 7 h 47 min
